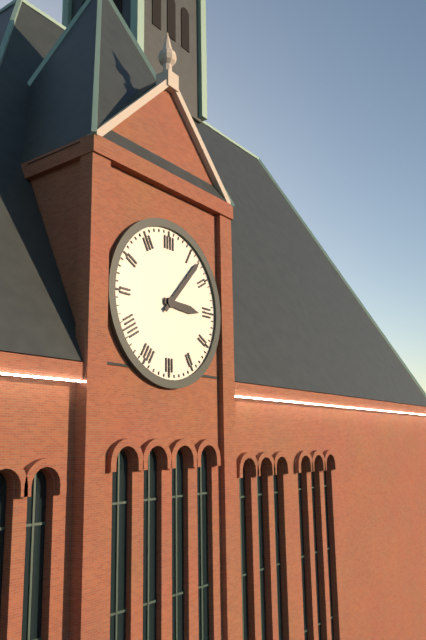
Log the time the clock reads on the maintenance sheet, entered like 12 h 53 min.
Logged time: 3 h 07 min
